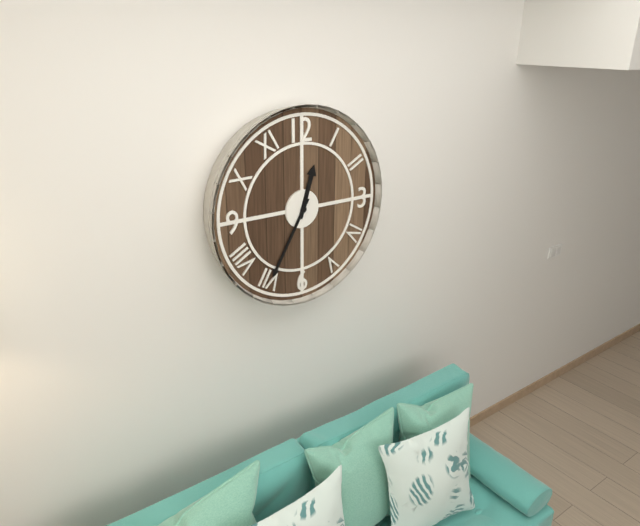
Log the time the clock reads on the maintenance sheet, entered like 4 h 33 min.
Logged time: 12 h 35 min
